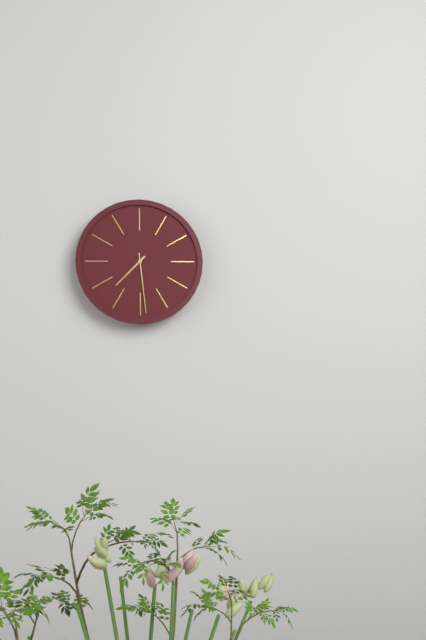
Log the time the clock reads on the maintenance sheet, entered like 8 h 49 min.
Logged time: 7 h 29 min
